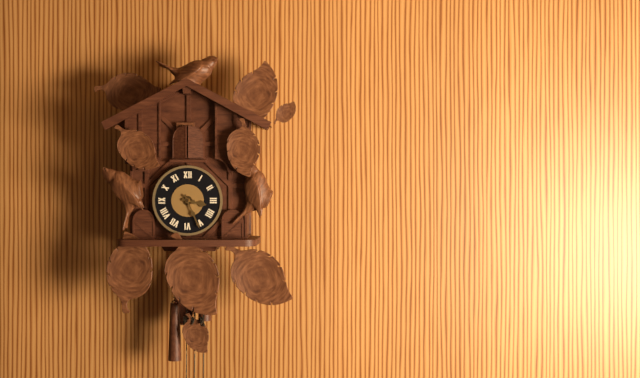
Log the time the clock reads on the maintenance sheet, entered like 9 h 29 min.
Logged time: 3 h 26 min
